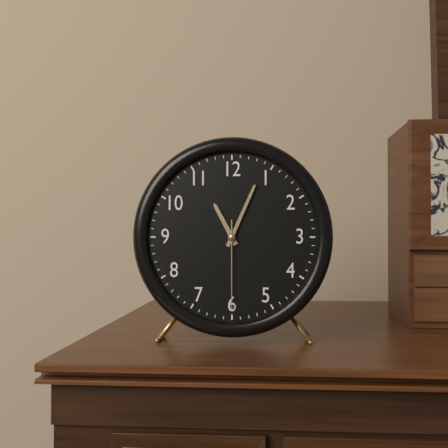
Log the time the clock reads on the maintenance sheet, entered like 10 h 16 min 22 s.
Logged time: 11 h 04 min 30 s
